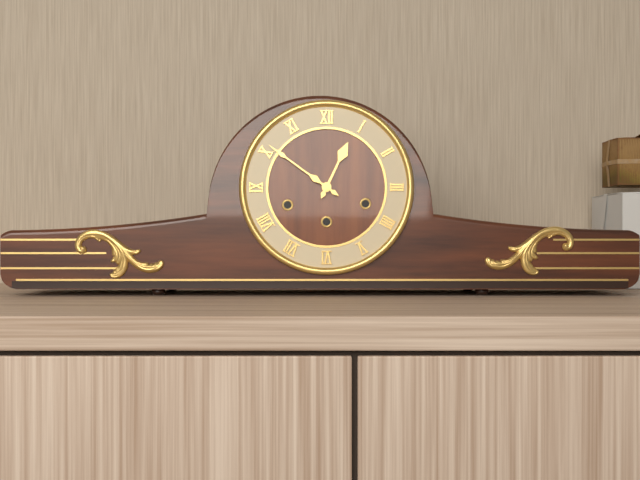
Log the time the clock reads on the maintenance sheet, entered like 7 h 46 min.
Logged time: 12 h 51 min
